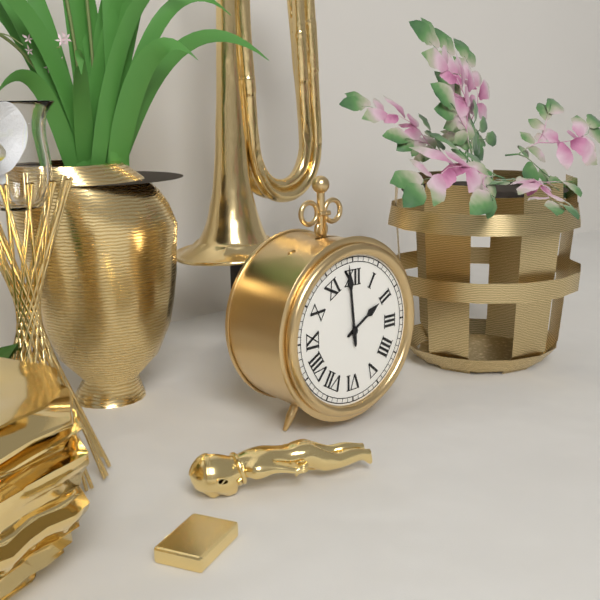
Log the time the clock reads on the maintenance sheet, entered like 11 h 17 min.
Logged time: 1 h 59 min
